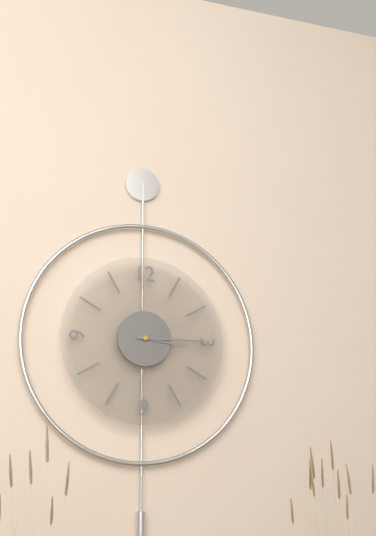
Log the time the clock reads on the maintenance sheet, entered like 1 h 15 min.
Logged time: 3 h 15 min
